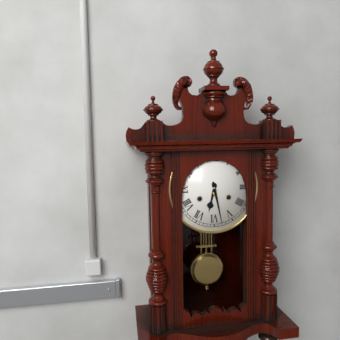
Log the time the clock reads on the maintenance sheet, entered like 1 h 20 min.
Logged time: 6 h 28 min
